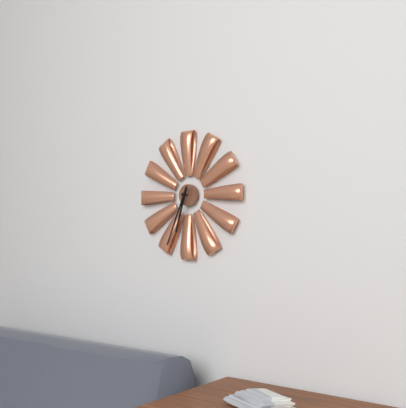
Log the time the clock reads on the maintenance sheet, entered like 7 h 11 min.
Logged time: 6 h 34 min
